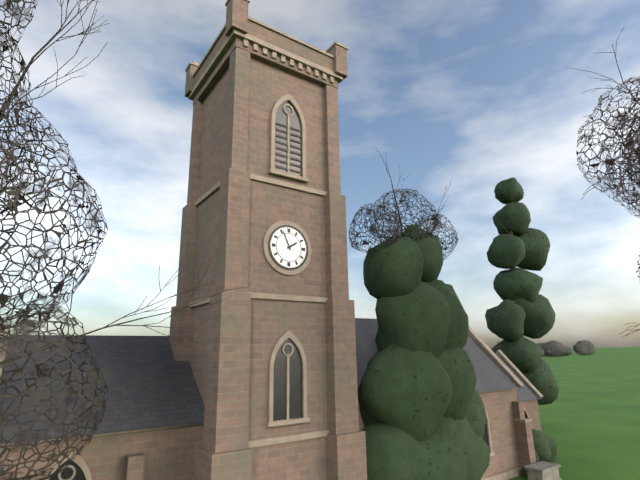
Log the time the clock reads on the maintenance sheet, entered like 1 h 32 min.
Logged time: 1 h 56 min
